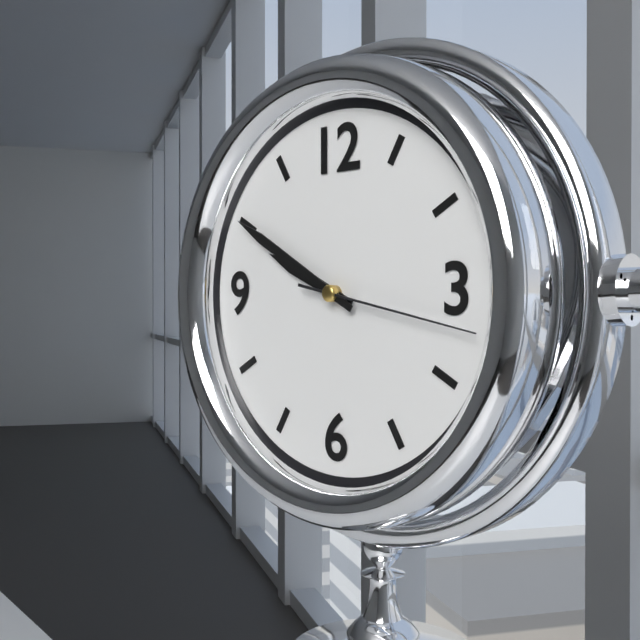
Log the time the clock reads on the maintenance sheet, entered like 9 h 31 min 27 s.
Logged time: 9 h 50 min 17 s
